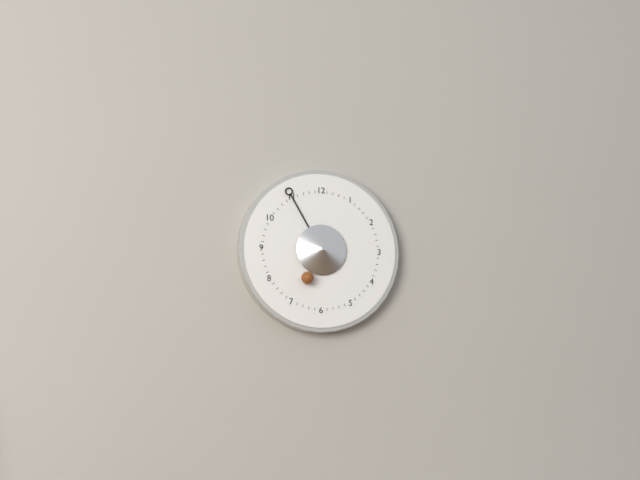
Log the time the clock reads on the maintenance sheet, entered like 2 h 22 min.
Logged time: 6 h 55 min
